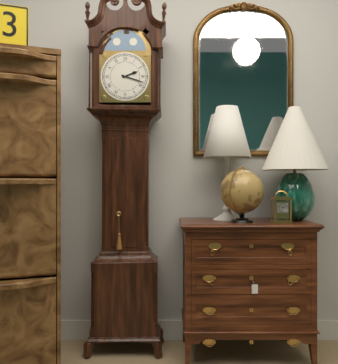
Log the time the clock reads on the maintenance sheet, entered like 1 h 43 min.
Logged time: 2 h 18 min
